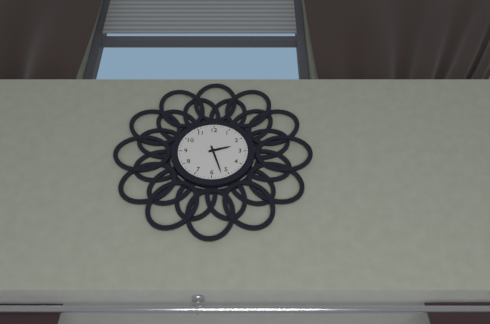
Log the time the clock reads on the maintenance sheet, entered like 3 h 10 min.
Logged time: 2 h 27 min
